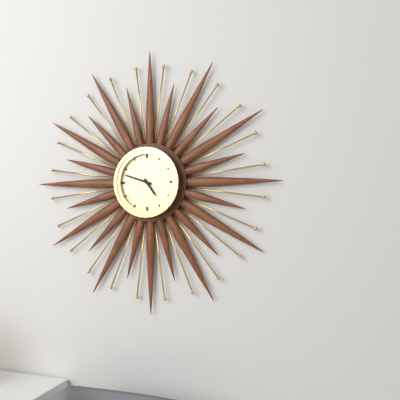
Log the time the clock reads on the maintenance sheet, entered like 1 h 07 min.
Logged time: 4 h 48 min
